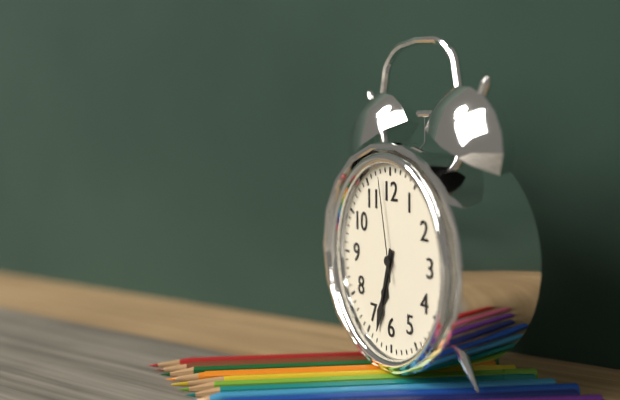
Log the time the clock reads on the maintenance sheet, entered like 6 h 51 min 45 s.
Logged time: 6 h 33 min 58 s
